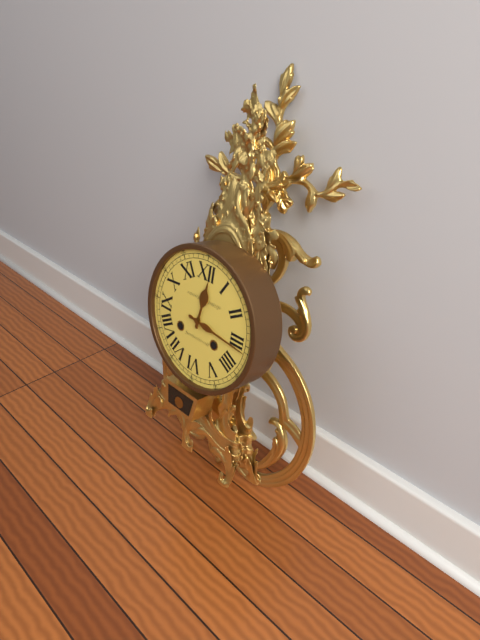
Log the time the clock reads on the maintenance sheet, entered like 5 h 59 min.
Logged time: 12 h 16 min
